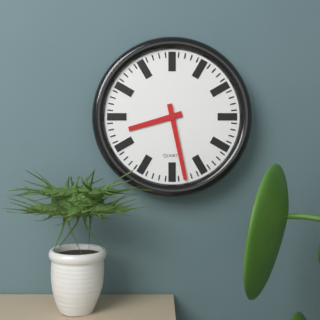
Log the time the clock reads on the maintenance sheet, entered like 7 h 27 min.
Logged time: 8 h 28 min
